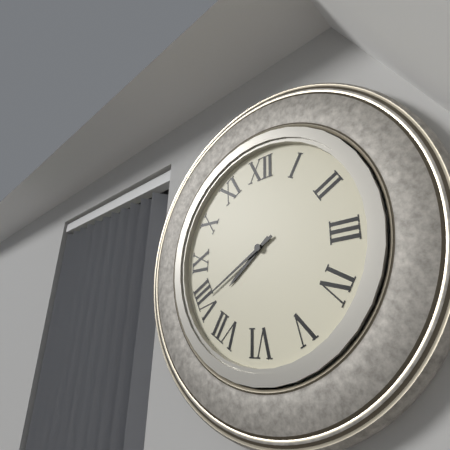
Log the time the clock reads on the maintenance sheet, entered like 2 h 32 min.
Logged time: 7 h 40 min
